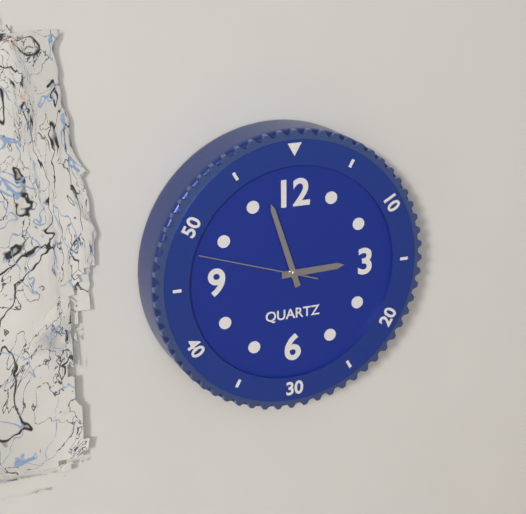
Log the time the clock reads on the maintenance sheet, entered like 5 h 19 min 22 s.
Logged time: 2 h 57 min 48 s
